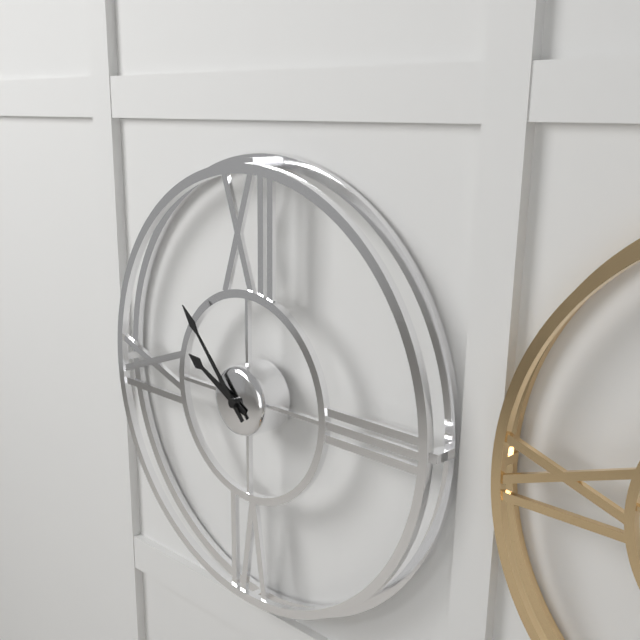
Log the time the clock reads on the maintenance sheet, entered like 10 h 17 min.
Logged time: 9 h 53 min
